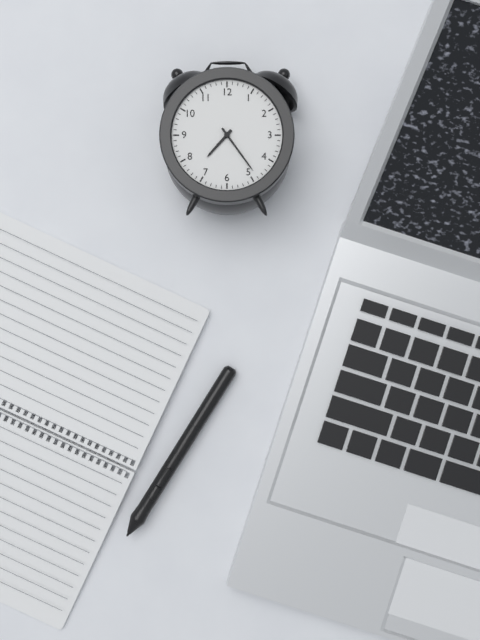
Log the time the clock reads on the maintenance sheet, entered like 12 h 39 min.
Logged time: 7 h 24 min
